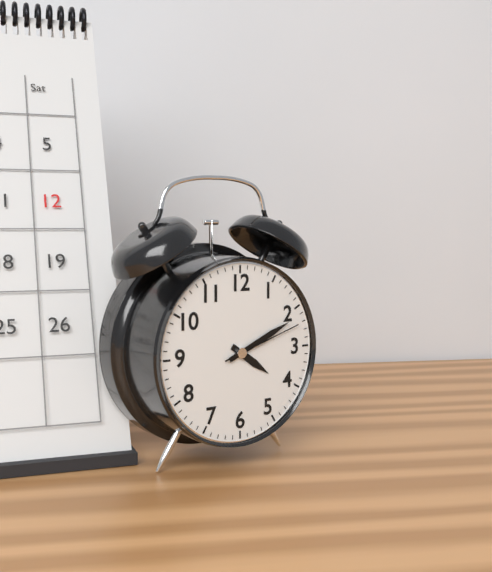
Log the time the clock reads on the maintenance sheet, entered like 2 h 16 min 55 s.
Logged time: 4 h 11 min 12 s
